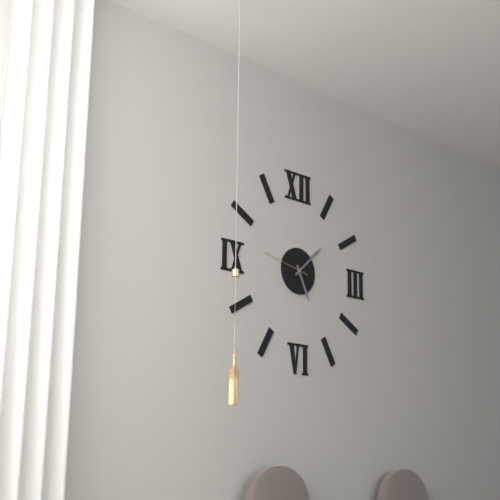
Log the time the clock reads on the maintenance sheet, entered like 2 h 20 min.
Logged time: 5 h 08 min
